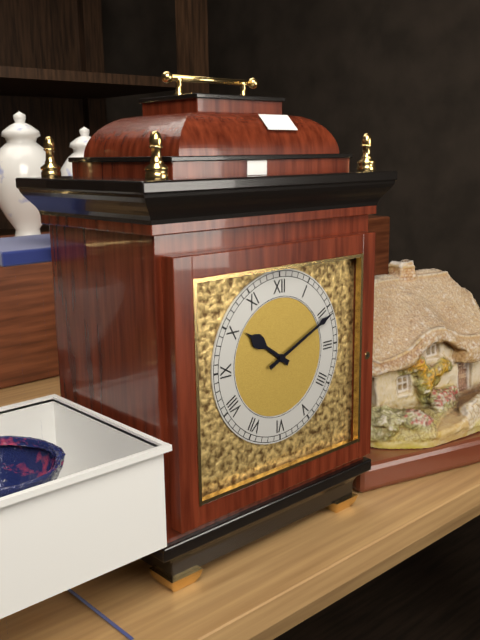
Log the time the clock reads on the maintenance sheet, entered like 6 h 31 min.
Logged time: 10 h 11 min
